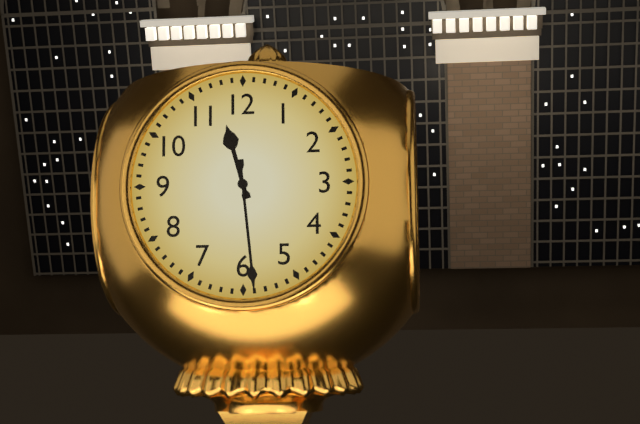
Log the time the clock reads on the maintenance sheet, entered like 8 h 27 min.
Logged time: 11 h 29 min
